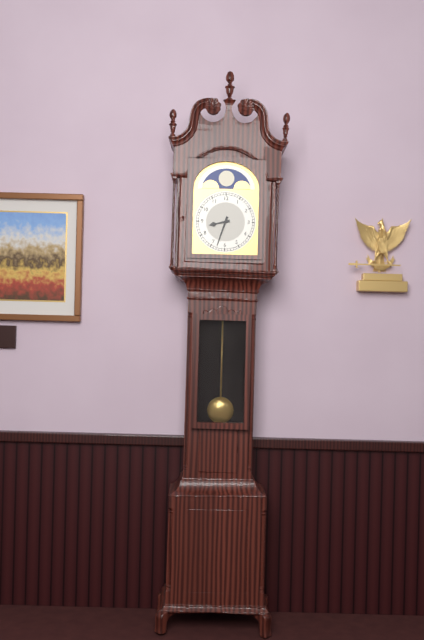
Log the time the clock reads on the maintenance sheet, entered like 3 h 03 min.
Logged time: 8 h 33 min
